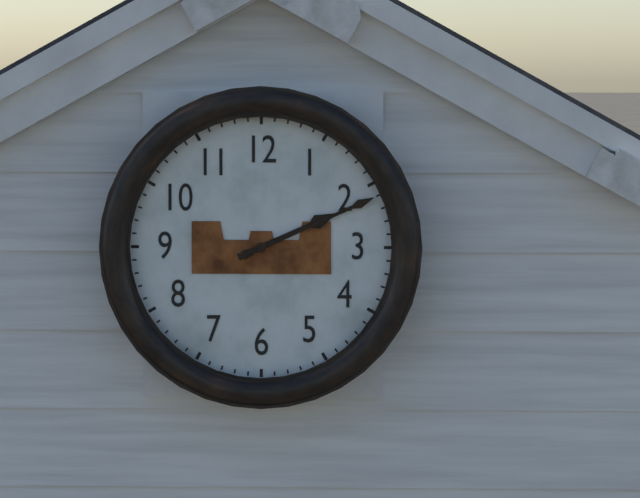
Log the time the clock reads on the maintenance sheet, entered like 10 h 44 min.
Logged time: 2 h 11 min
